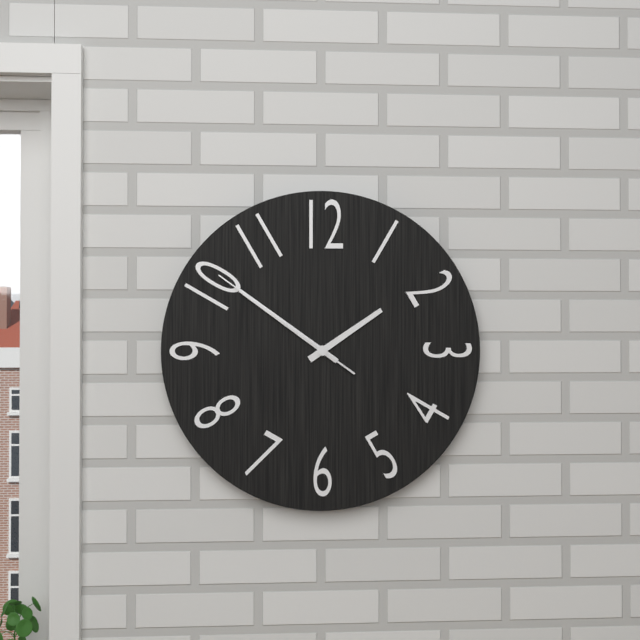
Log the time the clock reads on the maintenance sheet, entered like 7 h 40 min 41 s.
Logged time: 1 h 51 min 51 s
